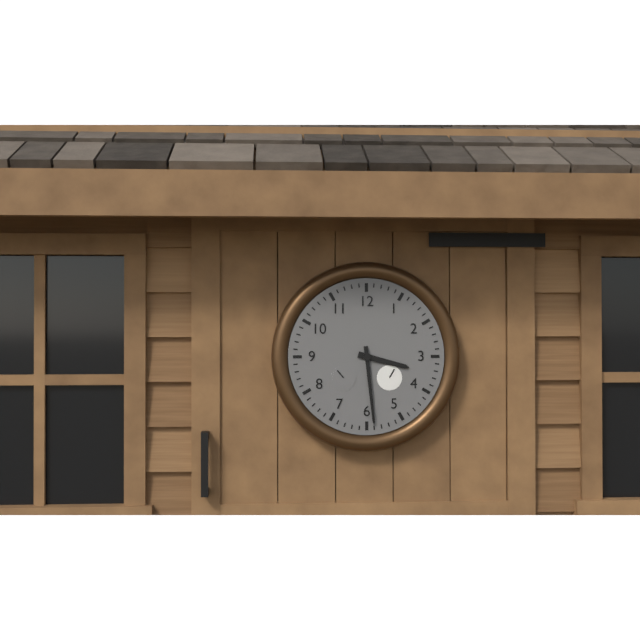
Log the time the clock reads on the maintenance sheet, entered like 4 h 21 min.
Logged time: 3 h 29 min
